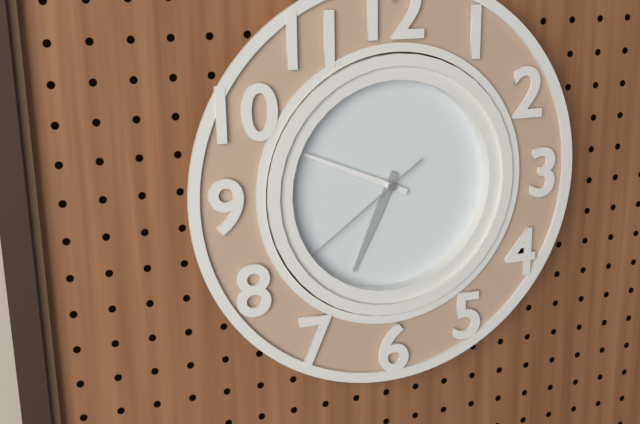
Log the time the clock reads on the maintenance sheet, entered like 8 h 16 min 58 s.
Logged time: 6 h 49 min 39 s
